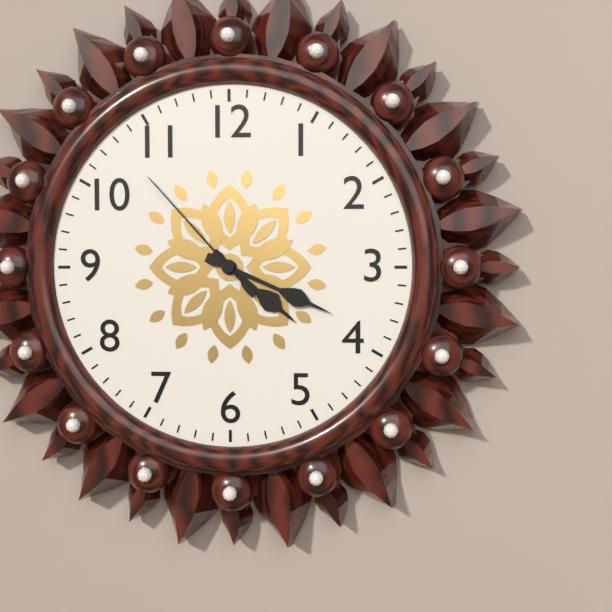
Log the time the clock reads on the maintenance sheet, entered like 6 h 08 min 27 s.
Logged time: 4 h 19 min 53 s
